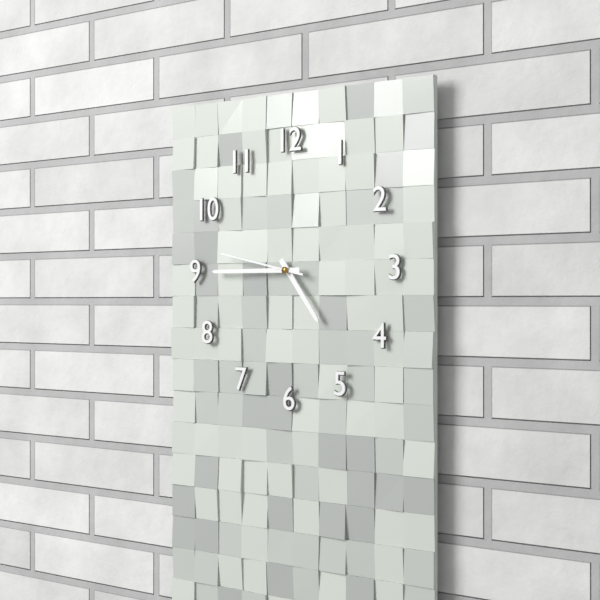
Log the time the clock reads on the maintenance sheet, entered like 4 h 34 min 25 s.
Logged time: 4 h 45 min 47 s
